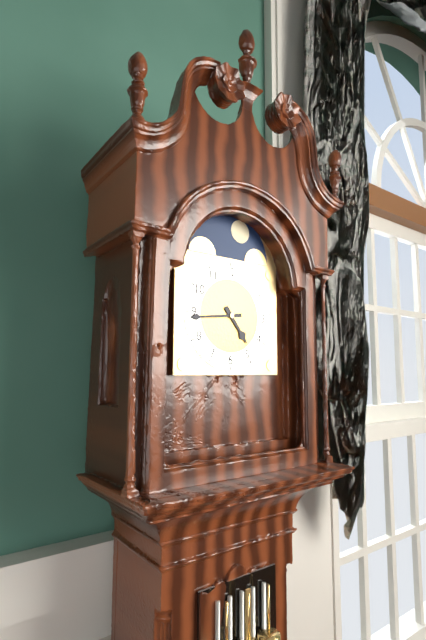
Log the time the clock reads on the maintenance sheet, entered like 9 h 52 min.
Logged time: 4 h 44 min
